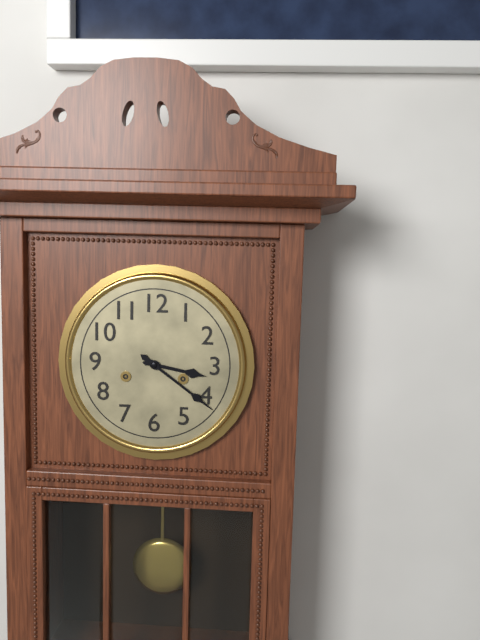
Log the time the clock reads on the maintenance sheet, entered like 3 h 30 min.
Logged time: 3 h 21 min
